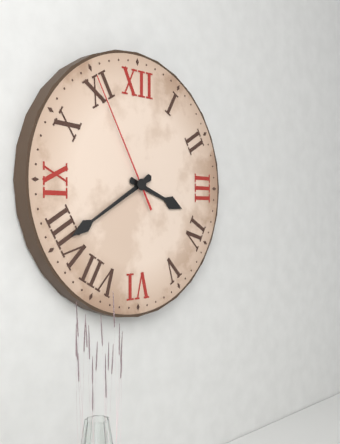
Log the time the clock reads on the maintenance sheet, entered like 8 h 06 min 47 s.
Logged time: 3 h 40 min 55 s
